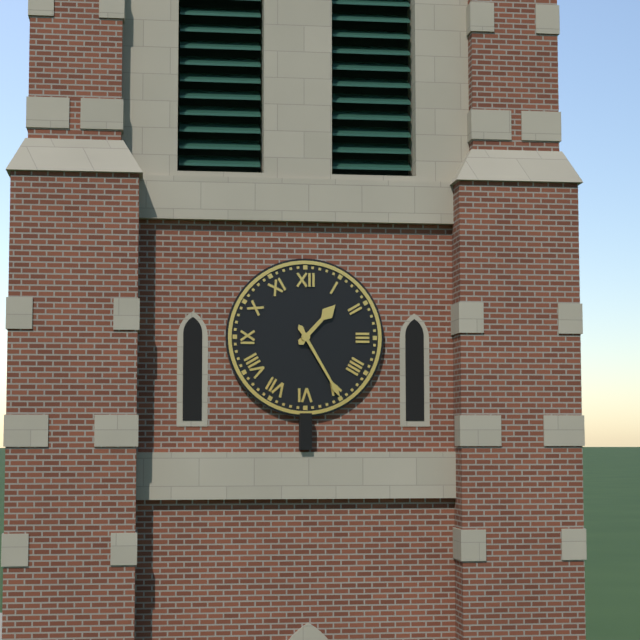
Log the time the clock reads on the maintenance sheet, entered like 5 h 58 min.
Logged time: 1 h 25 min
